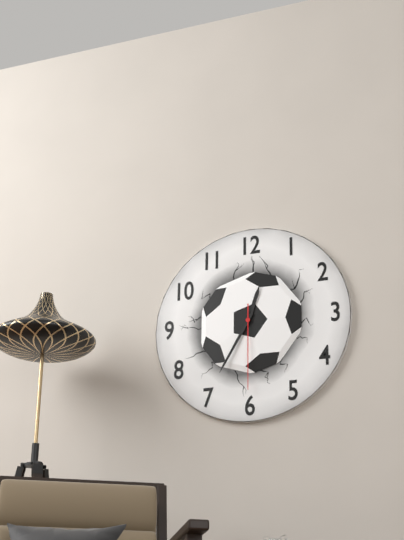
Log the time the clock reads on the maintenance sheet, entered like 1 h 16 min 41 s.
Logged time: 12 h 35 min 30 s
